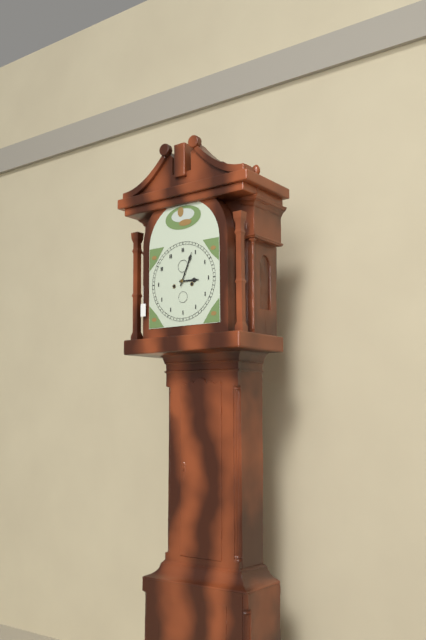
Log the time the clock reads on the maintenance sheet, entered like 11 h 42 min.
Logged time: 3 h 04 min
